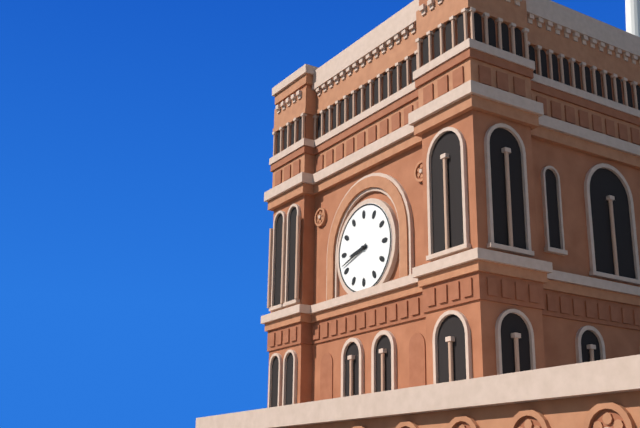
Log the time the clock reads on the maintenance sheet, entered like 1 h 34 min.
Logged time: 8 h 42 min
